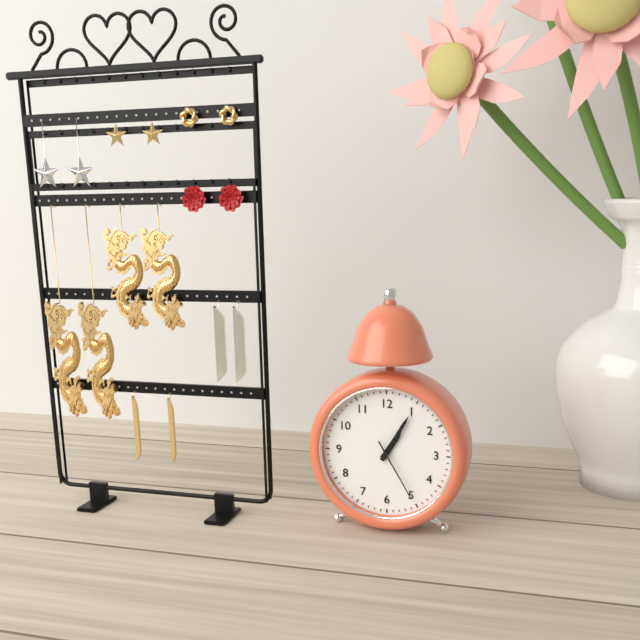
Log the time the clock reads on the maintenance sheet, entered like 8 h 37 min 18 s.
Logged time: 1 h 05 min 25 s
